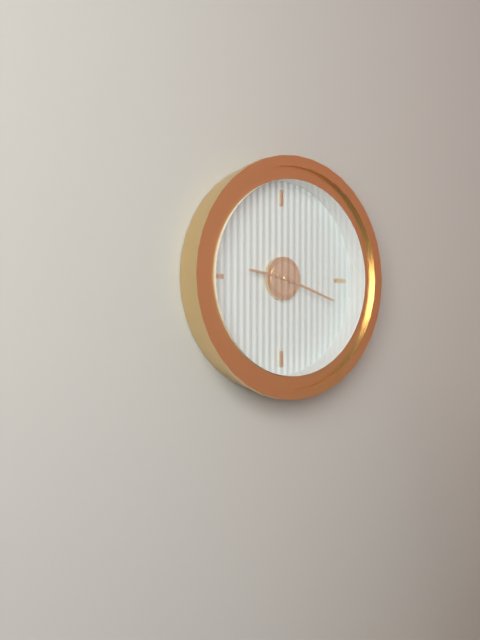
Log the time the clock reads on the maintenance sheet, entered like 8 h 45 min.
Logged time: 9 h 18 min
